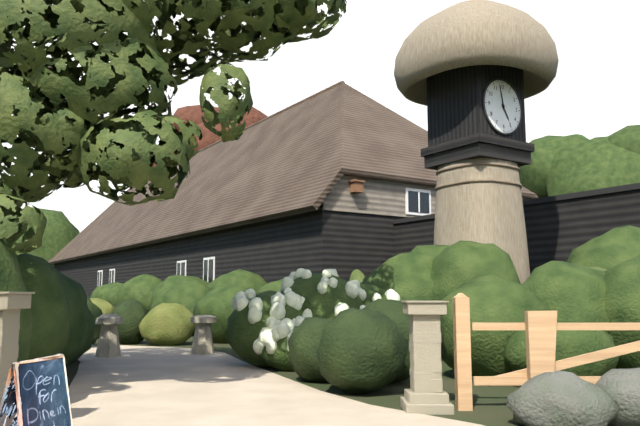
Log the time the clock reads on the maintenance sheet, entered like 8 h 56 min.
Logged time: 4 h 58 min
